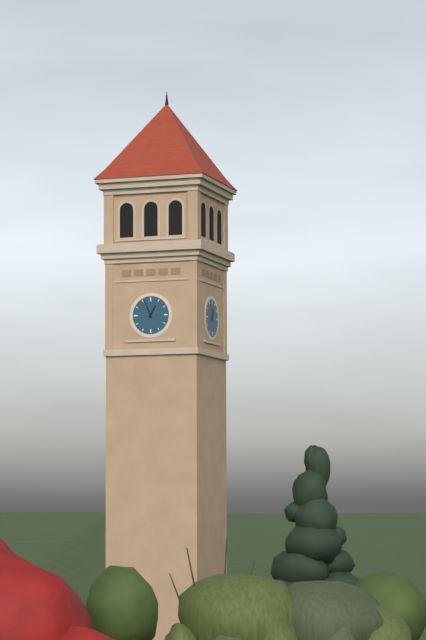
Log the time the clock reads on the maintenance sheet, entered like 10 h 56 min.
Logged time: 12 h 56 min
